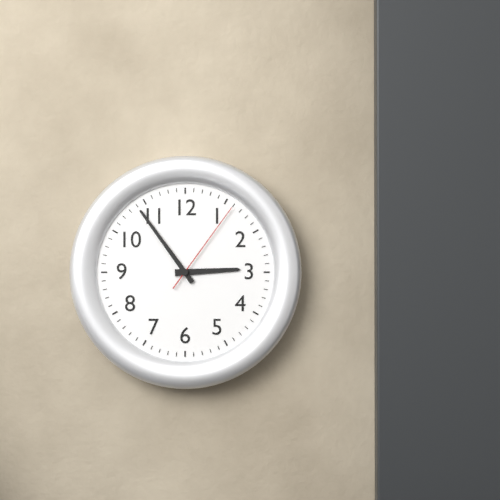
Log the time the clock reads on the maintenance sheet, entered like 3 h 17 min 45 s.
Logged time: 2 h 54 min 06 s
